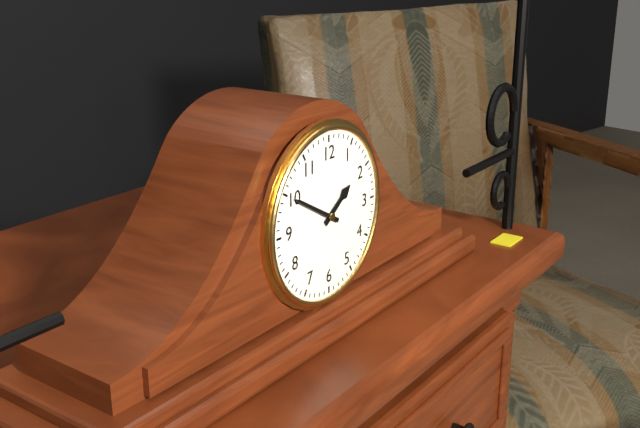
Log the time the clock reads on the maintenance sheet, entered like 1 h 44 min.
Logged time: 1 h 50 min
